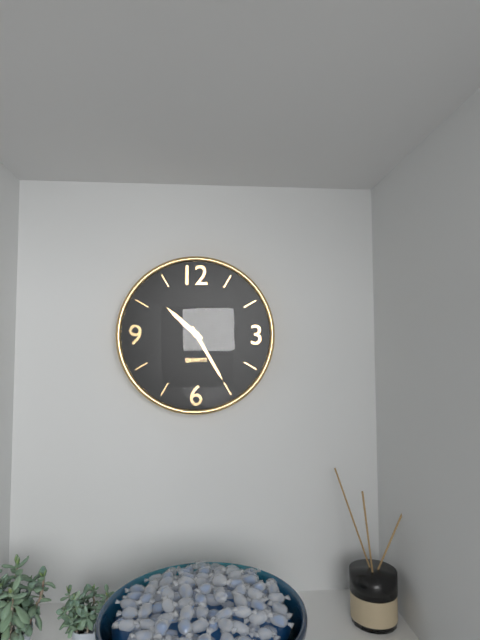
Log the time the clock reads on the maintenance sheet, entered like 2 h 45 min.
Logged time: 10 h 25 min
